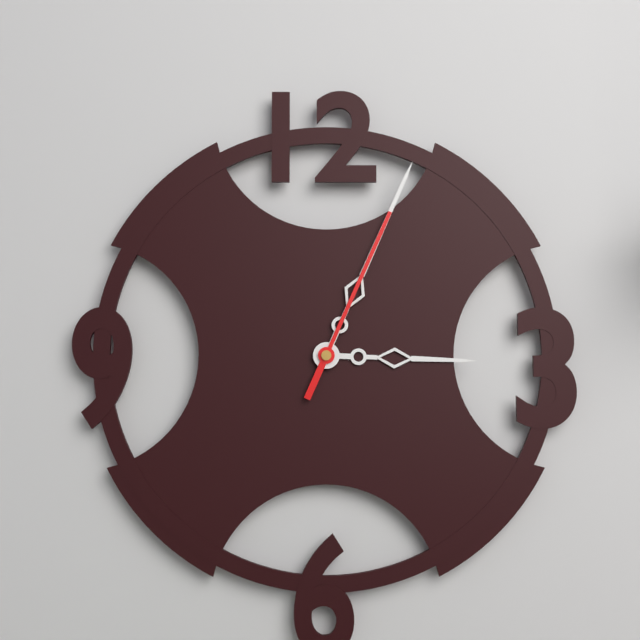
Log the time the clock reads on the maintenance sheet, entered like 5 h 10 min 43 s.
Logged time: 3 h 04 min 04 s
